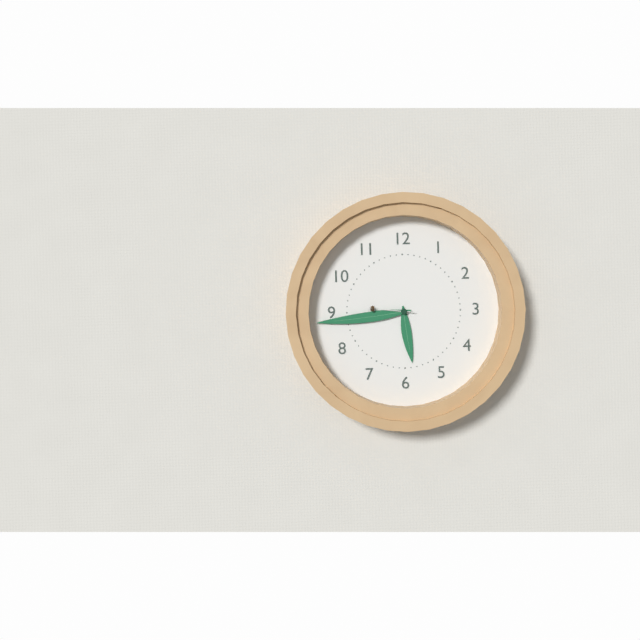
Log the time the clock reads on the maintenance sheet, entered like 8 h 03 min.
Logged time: 5 h 44 min
